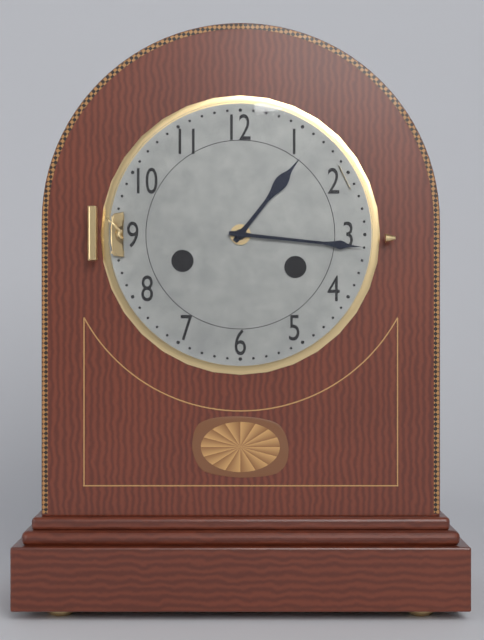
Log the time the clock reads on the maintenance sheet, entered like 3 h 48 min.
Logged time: 1 h 16 min
